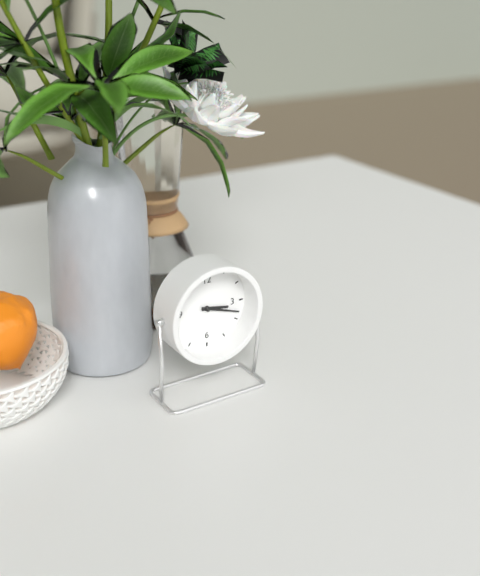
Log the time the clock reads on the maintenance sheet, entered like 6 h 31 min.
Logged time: 3 h 18 min
